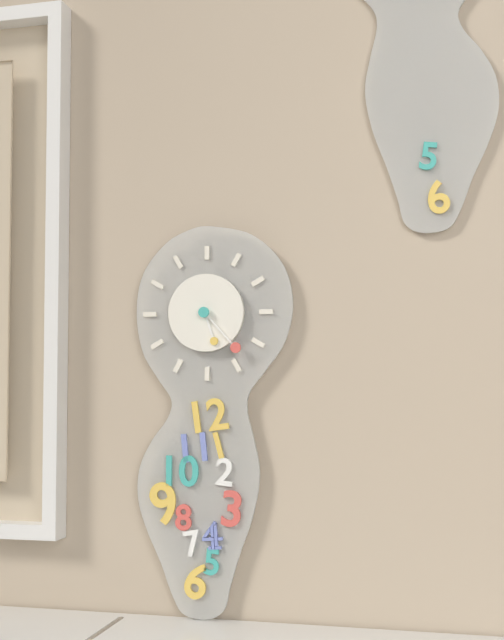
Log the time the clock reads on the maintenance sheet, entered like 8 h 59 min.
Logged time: 5 h 23 min
